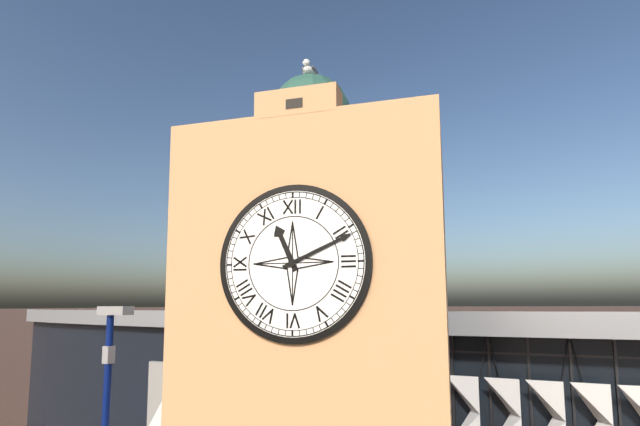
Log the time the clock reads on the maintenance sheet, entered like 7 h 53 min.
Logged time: 11 h 11 min
